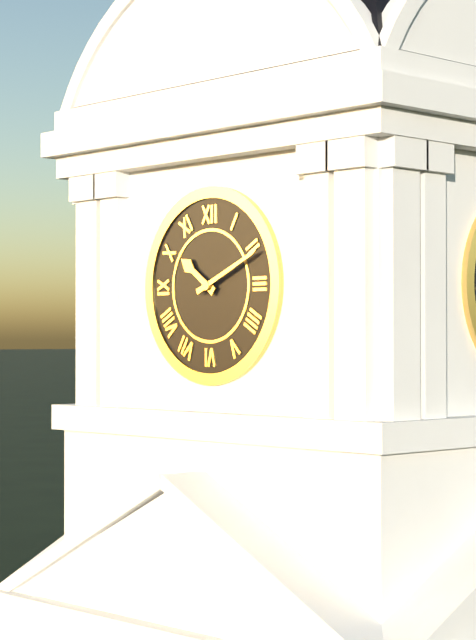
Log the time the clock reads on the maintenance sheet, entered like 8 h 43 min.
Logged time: 10 h 11 min
